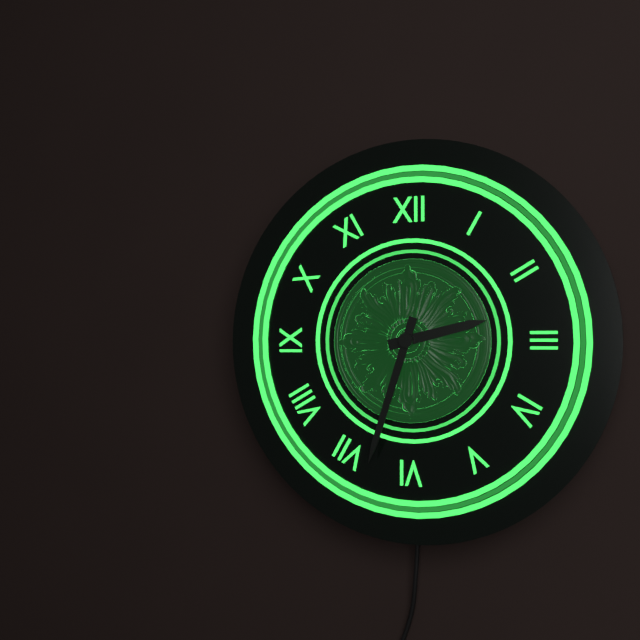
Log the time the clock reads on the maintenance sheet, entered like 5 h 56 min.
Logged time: 2 h 33 min
